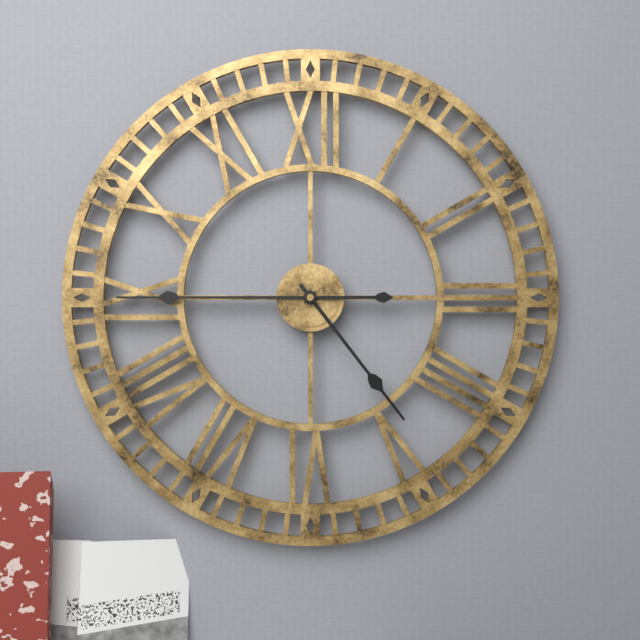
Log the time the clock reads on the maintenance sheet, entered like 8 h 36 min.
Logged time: 4 h 45 min
